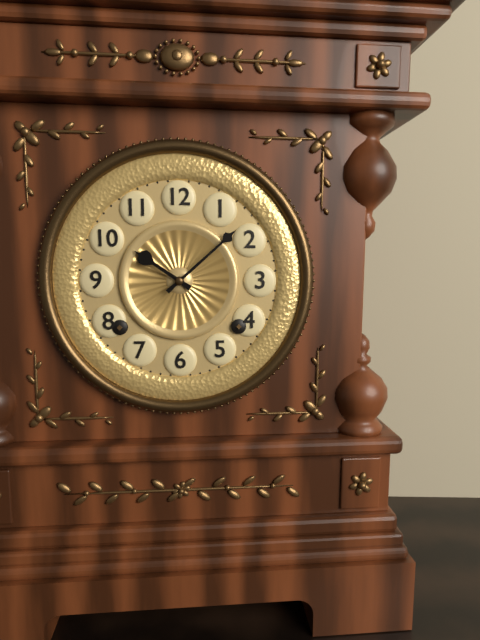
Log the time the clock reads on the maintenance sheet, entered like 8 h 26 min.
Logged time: 10 h 08 min
